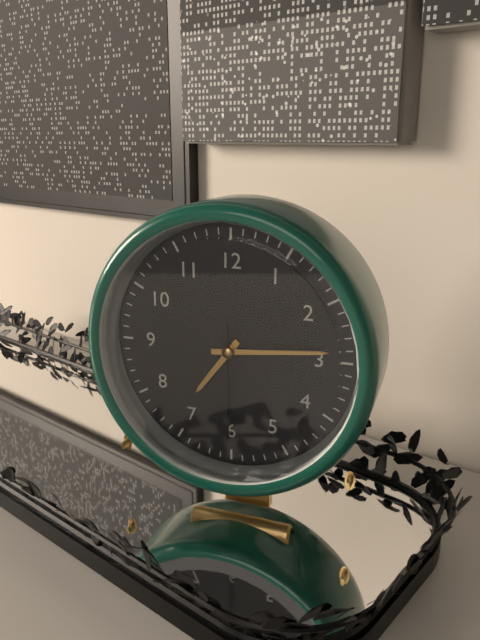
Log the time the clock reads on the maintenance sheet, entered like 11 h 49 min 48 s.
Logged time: 7 h 14 min 30 s
